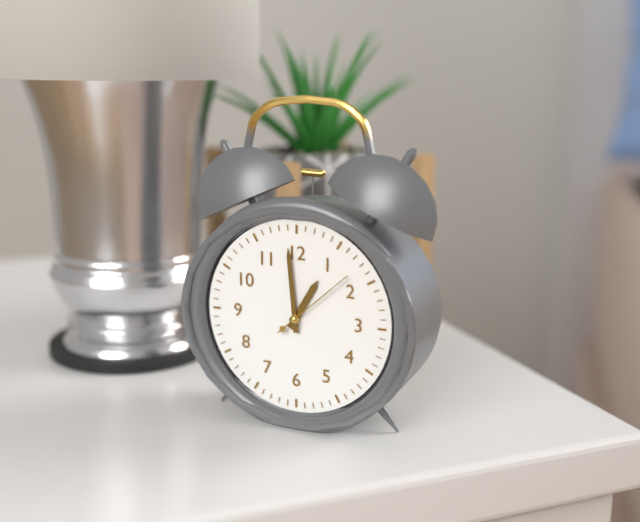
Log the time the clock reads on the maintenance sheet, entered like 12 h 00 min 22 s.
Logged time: 12 h 59 min 08 s
